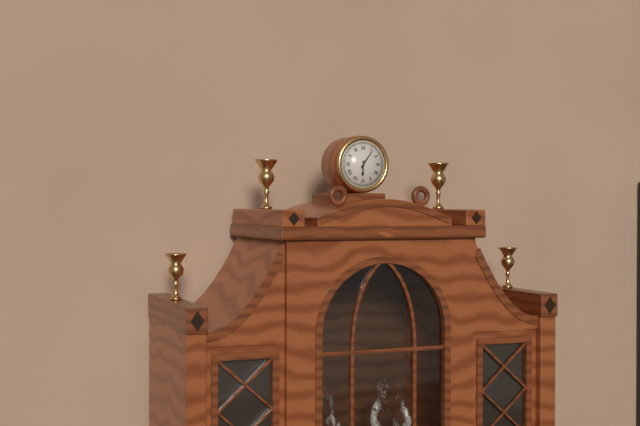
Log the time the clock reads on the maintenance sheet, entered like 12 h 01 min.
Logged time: 6 h 06 min
